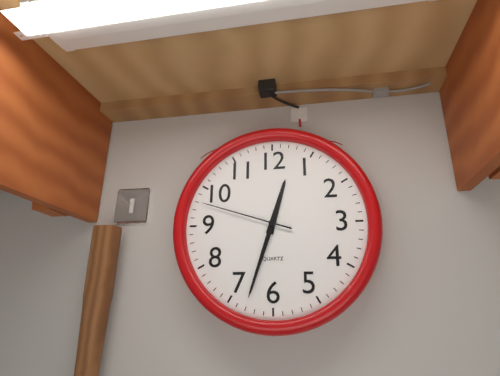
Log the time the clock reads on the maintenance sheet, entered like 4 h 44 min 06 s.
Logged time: 12 h 33 min 48 s
